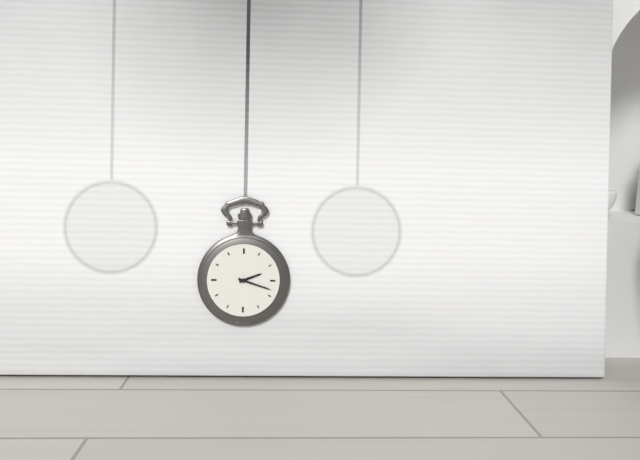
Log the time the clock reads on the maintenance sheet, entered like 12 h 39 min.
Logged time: 2 h 18 min
